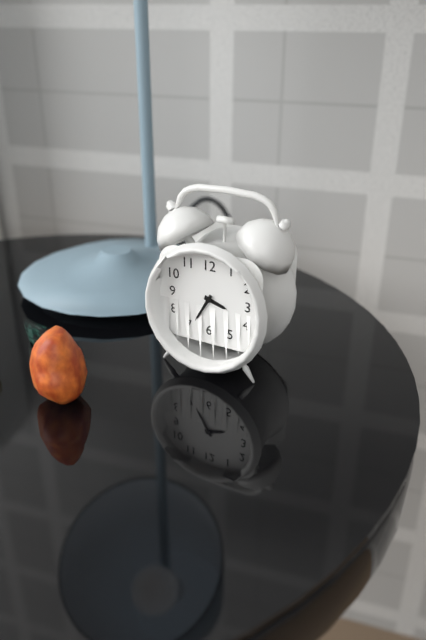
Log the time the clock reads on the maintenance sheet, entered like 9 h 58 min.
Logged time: 3 h 35 min
